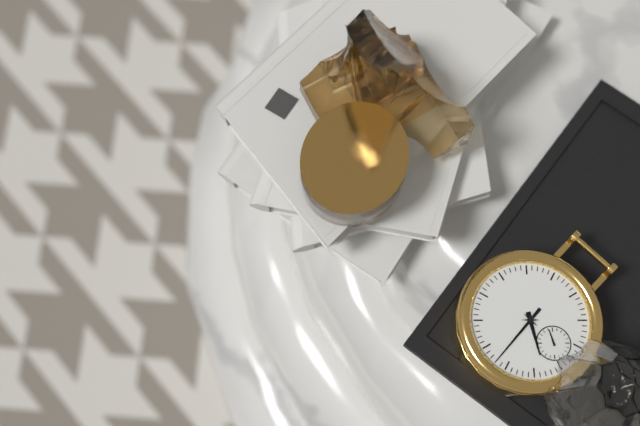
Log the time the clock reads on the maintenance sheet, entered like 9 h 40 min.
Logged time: 5 h 37 min
